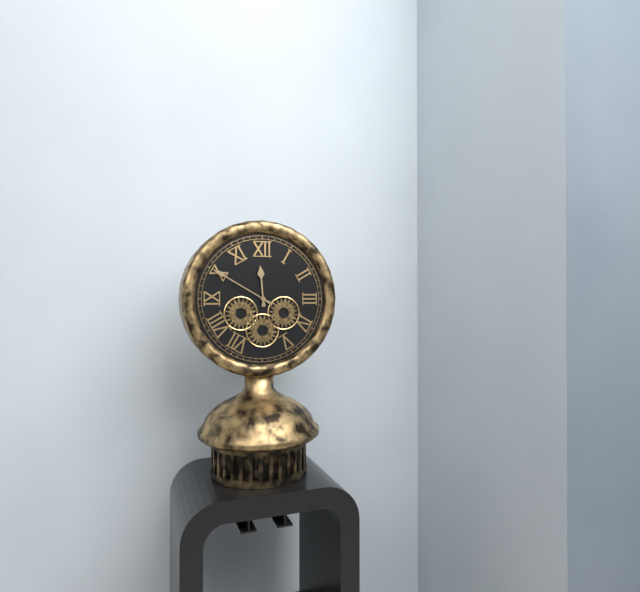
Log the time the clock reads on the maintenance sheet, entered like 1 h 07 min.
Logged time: 11 h 50 min
